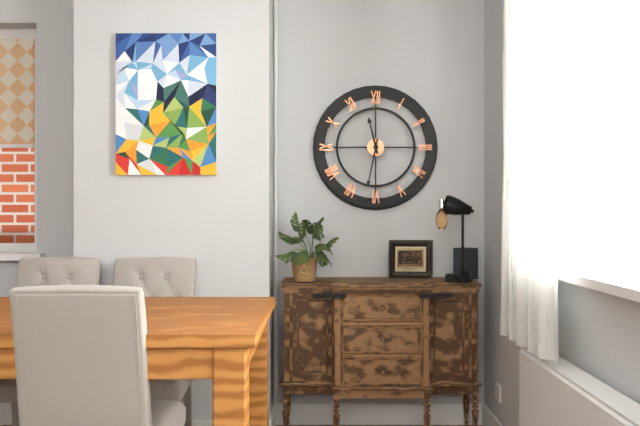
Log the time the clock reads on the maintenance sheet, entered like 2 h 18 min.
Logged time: 11 h 32 min
